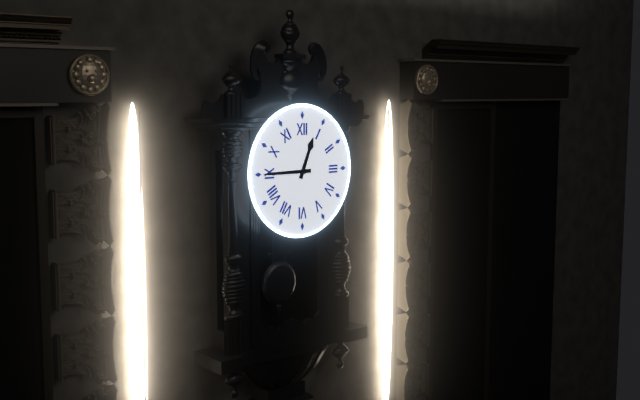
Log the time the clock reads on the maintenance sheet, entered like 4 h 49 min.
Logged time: 12 h 45 min
